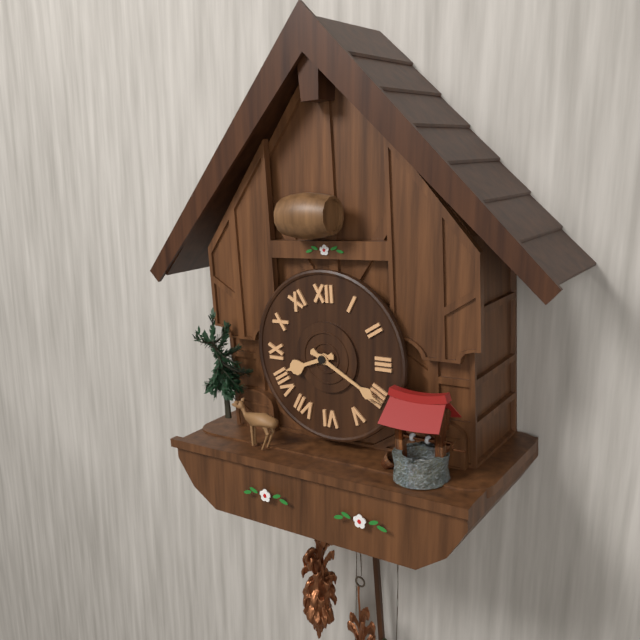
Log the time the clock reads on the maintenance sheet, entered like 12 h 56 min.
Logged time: 8 h 20 min
